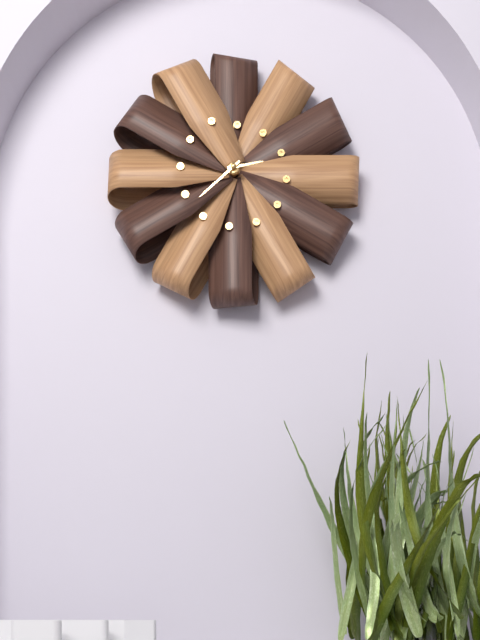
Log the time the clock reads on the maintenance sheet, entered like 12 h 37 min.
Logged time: 2 h 38 min
